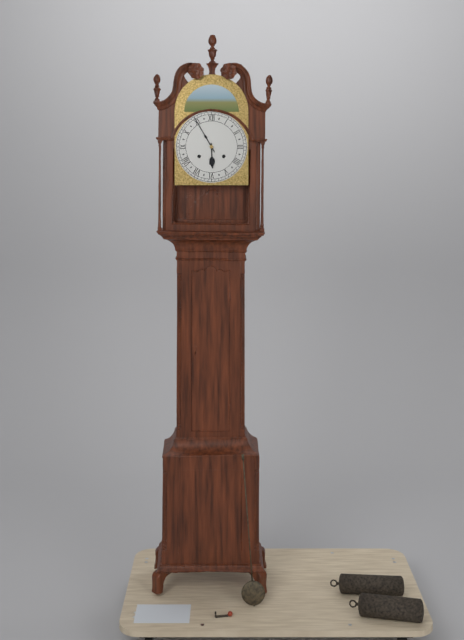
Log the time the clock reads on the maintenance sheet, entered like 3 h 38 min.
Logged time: 5 h 55 min
